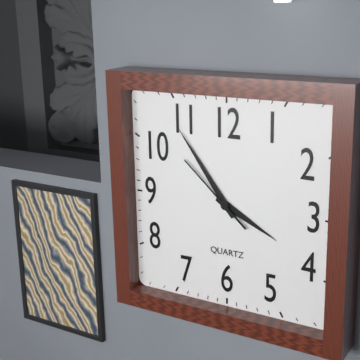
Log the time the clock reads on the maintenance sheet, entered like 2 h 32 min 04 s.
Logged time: 3 h 54 min 52 s
